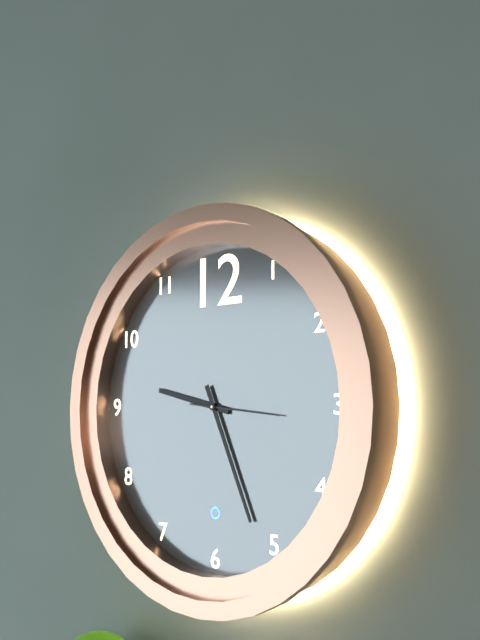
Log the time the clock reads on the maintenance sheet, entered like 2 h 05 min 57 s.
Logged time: 9 h 26 min 16 s
